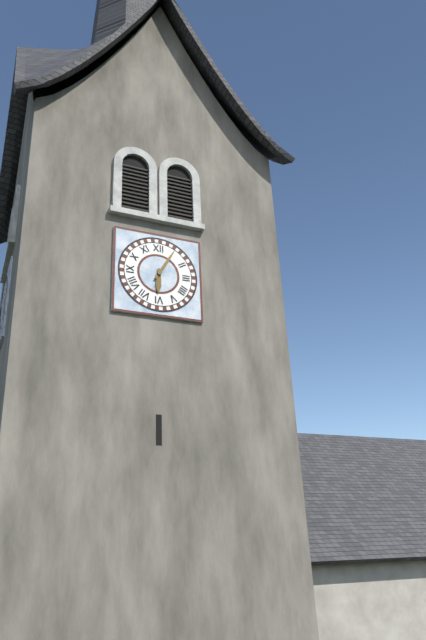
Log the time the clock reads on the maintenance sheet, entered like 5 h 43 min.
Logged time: 6 h 05 min
